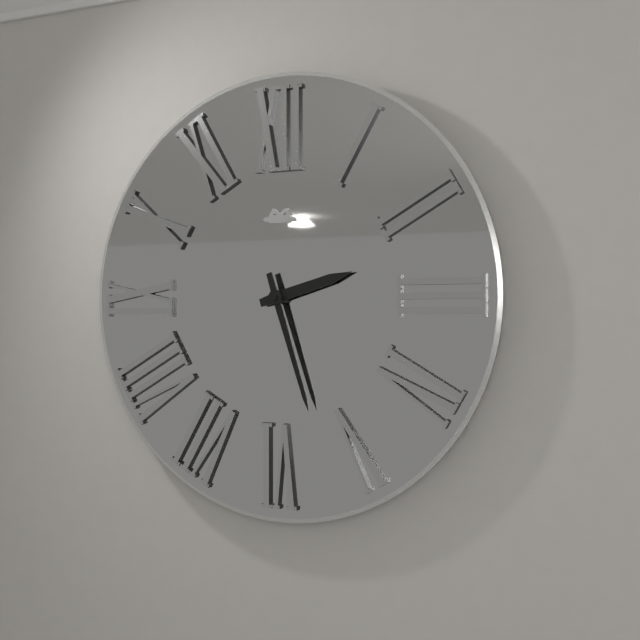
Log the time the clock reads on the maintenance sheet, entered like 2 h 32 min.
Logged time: 2 h 27 min
